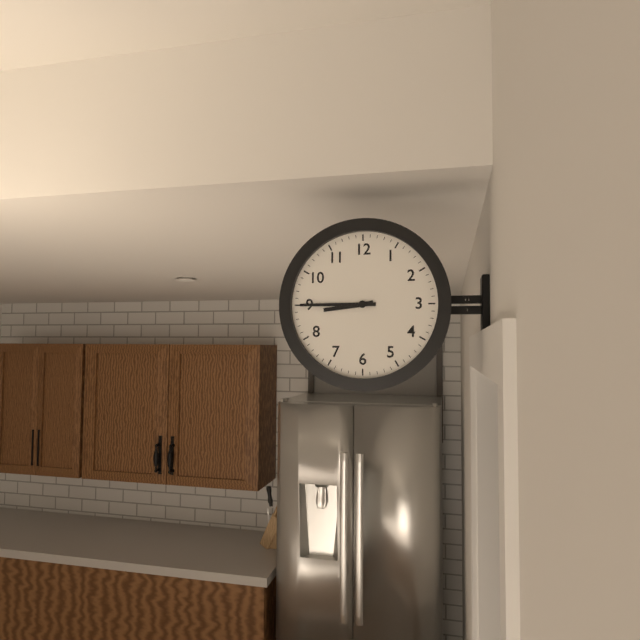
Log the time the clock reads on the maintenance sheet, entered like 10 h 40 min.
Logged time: 8 h 45 min
